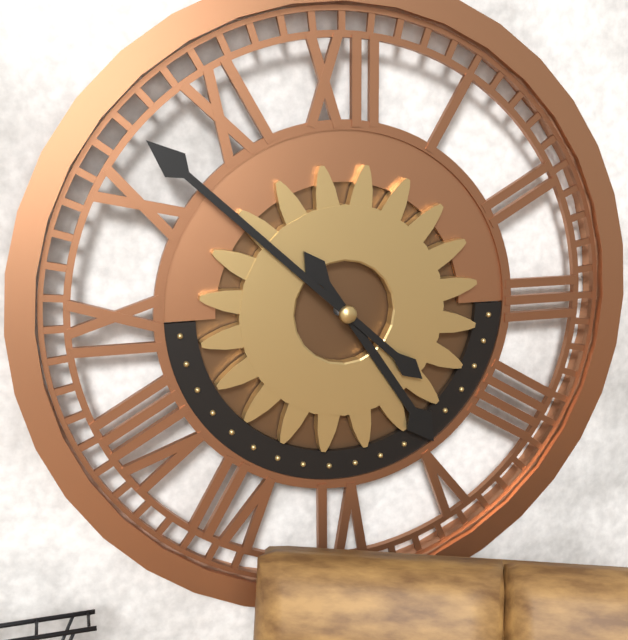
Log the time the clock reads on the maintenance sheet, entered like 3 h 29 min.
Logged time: 4 h 52 min
